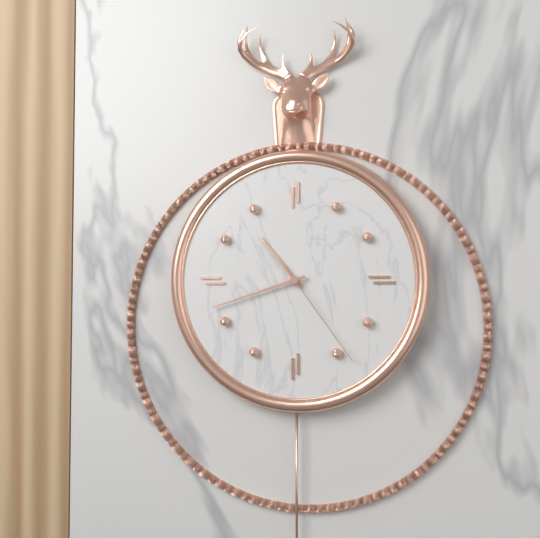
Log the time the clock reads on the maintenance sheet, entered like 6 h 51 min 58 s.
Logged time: 10 h 42 min 24 s
